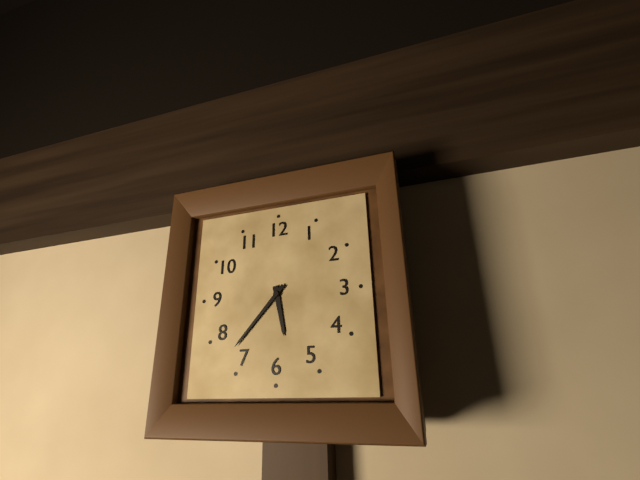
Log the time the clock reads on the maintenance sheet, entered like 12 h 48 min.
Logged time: 5 h 37 min
